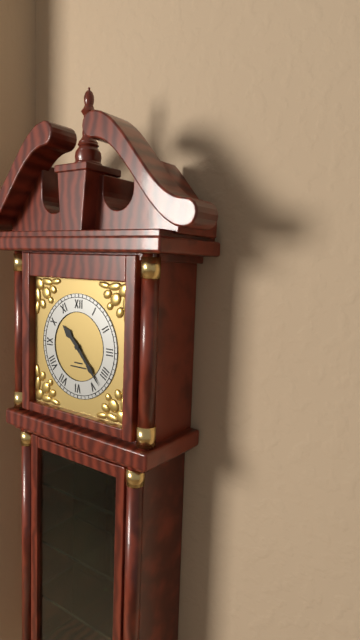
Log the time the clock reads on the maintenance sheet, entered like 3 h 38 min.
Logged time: 10 h 23 min
